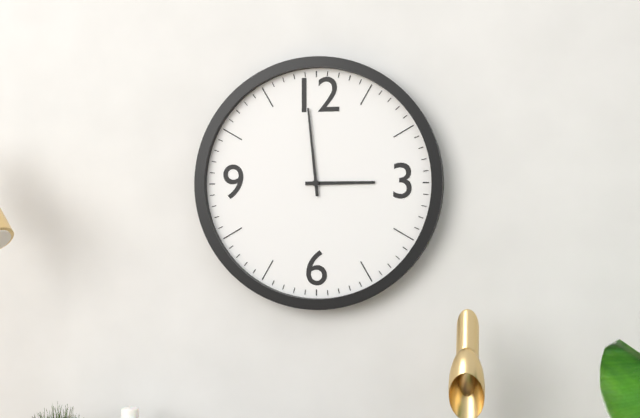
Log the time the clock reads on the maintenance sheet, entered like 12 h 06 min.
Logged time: 2 h 59 min
